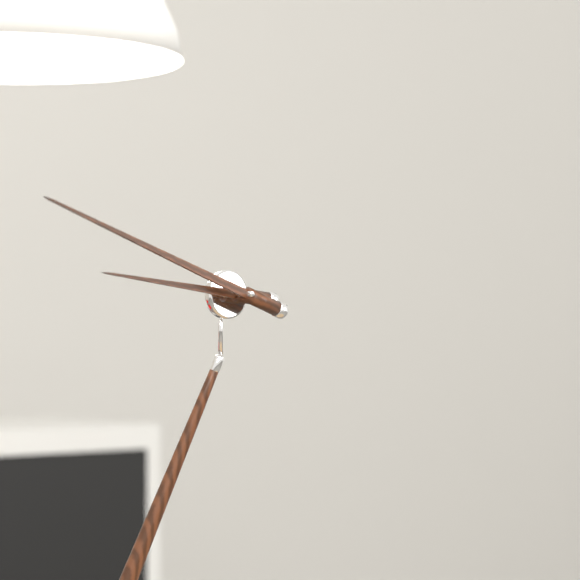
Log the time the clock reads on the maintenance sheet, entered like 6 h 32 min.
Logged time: 8 h 46 min
